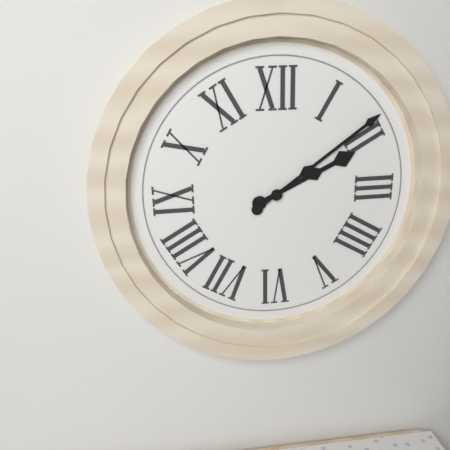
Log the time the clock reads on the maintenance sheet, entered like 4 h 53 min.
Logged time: 2 h 09 min
